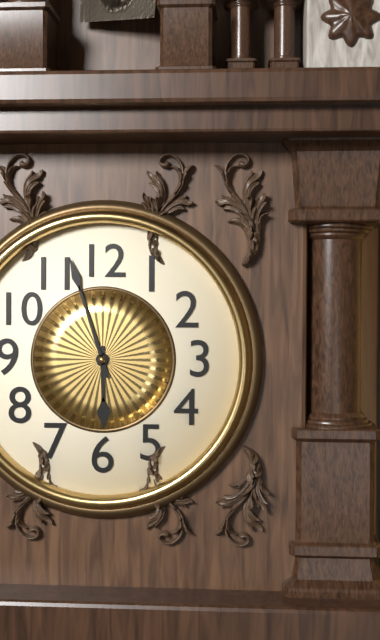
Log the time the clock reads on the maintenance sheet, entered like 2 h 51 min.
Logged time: 5 h 57 min
